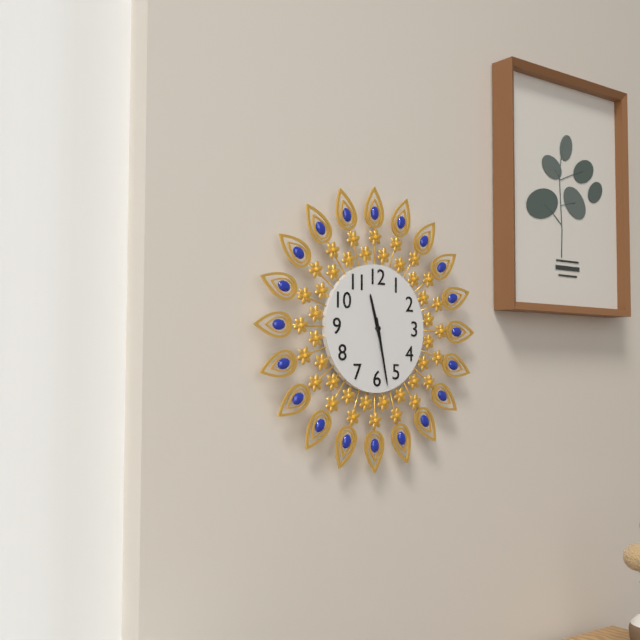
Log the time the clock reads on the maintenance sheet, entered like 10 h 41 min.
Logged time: 11 h 28 min
